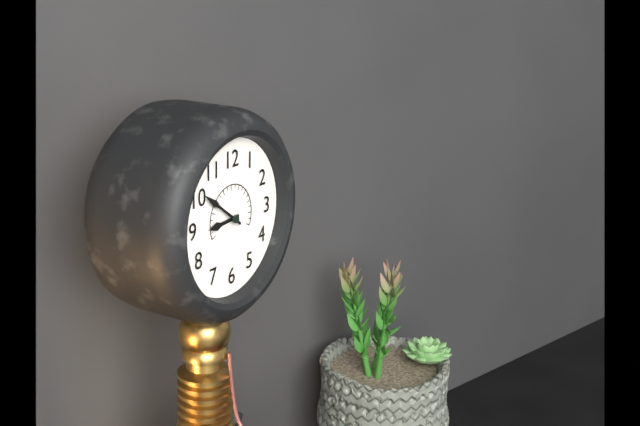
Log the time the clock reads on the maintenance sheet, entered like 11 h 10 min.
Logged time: 8 h 51 min
